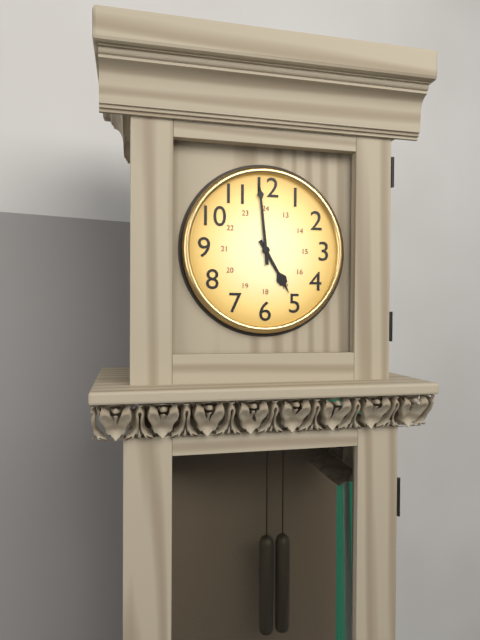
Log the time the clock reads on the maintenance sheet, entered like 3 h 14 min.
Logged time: 4 h 59 min
